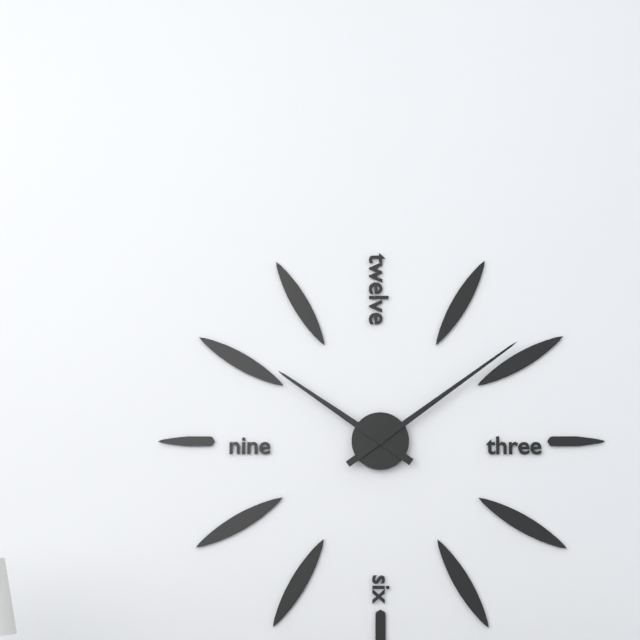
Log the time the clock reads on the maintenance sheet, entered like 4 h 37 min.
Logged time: 10 h 09 min
